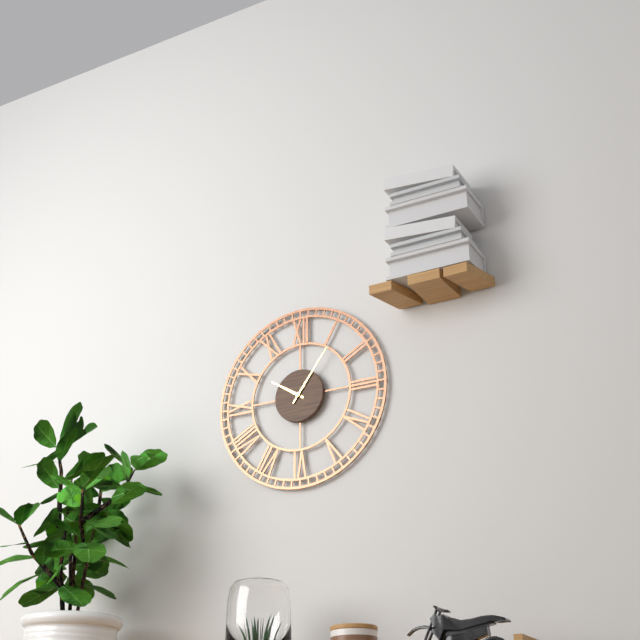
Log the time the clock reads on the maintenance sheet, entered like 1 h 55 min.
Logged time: 10 h 06 min
